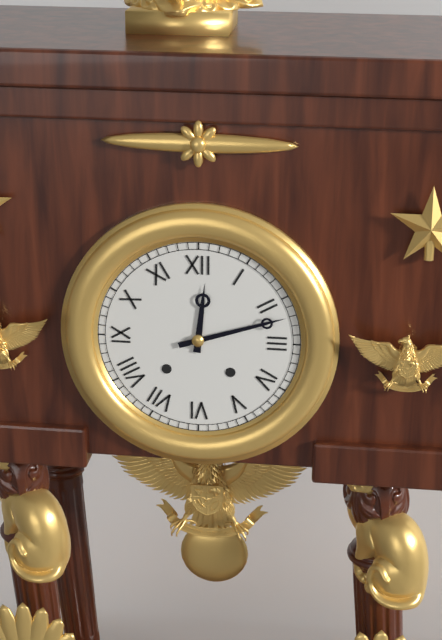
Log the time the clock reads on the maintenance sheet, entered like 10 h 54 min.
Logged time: 12 h 12 min
